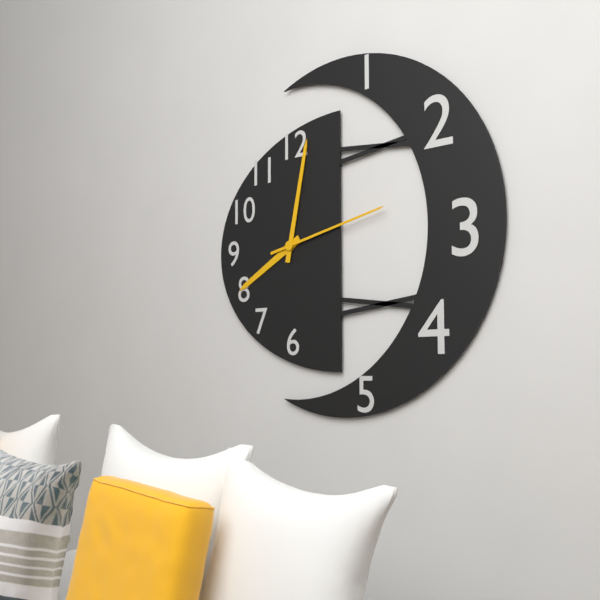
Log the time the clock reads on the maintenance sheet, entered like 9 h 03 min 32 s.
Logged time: 8 h 02 min 13 s
